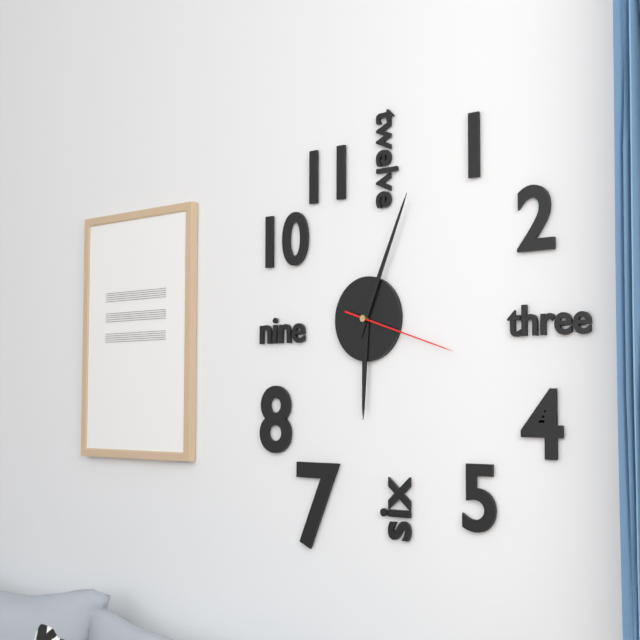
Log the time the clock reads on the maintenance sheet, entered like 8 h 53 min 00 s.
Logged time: 6 h 04 min 18 s
